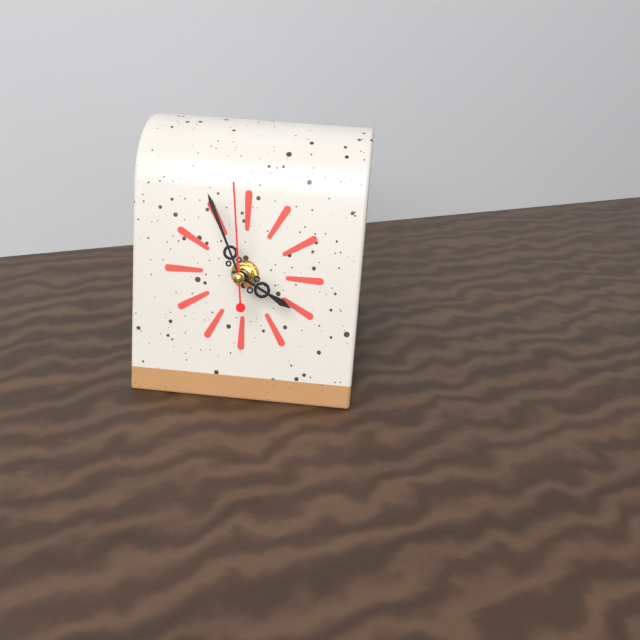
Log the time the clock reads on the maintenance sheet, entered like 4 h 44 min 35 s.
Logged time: 3 h 56 min 59 s
